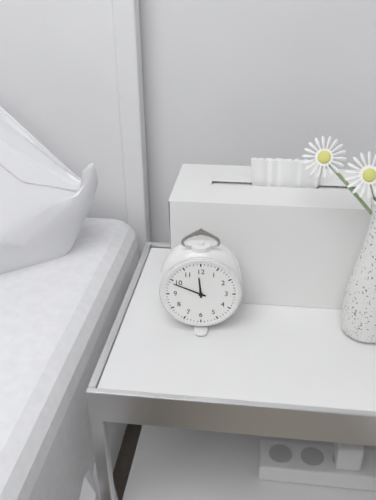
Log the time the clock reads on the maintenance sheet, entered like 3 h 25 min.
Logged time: 11 h 49 min
